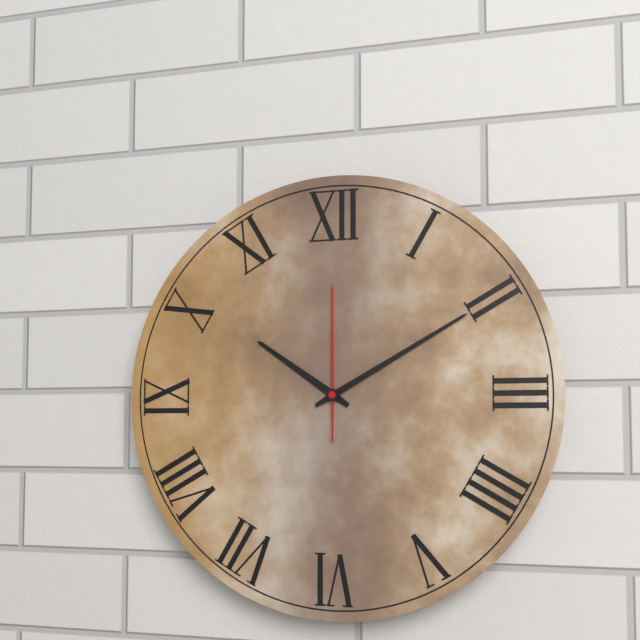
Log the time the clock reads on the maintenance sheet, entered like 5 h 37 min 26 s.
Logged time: 10 h 10 min 00 s
